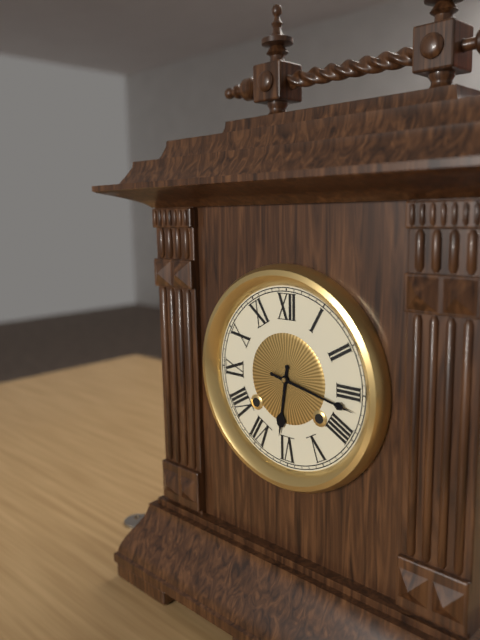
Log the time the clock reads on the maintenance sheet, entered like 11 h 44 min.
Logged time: 6 h 17 min
